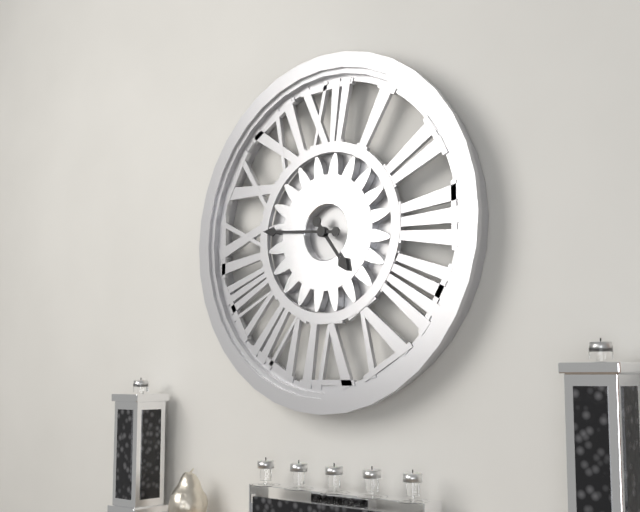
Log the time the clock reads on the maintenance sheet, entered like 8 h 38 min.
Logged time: 4 h 46 min
